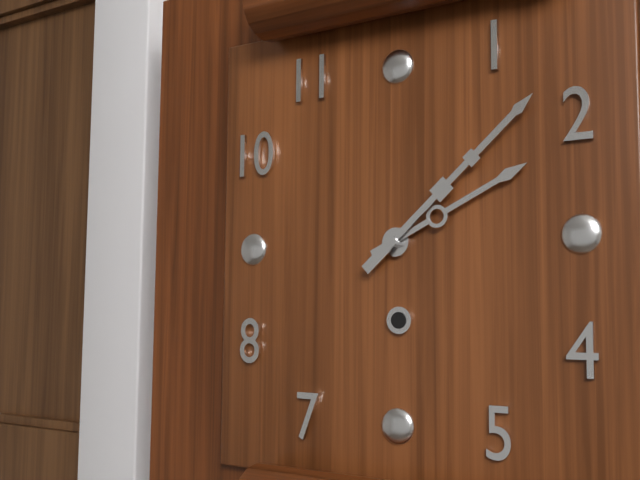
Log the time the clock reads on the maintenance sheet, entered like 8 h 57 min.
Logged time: 2 h 08 min
